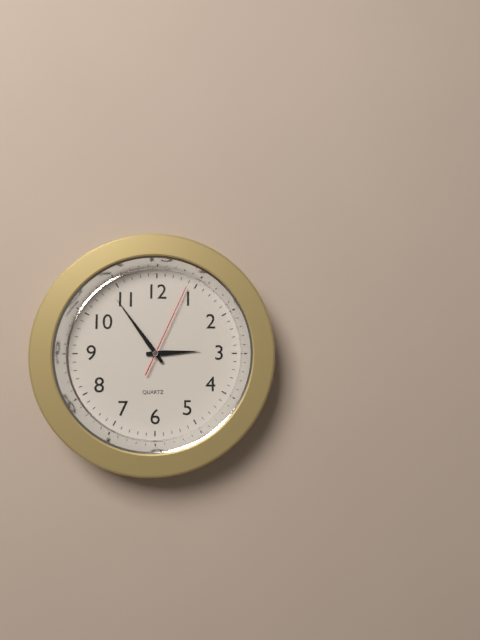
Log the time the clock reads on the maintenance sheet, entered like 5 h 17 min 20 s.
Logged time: 2 h 54 min 04 s
